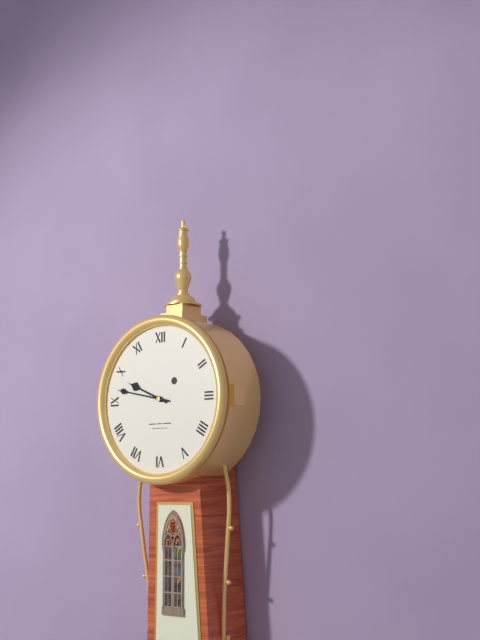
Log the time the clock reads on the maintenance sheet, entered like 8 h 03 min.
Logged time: 9 h 47 min
